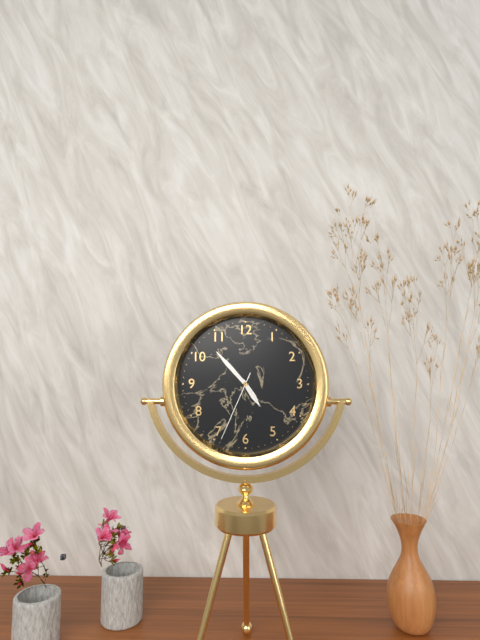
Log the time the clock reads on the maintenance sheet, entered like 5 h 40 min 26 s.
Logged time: 4 h 53 min 34 s
